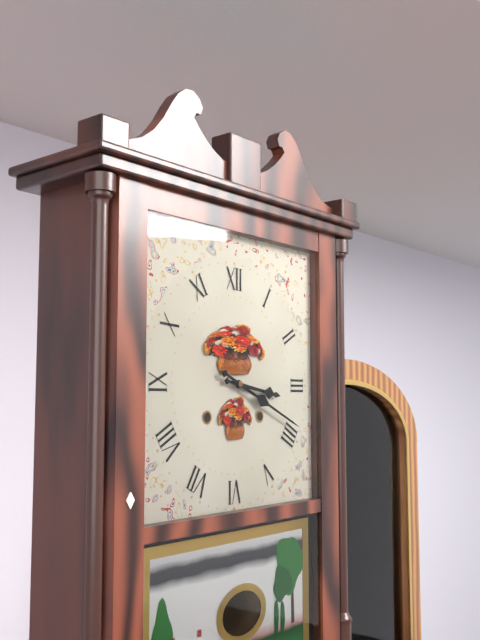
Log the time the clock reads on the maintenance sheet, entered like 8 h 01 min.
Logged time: 3 h 19 min
